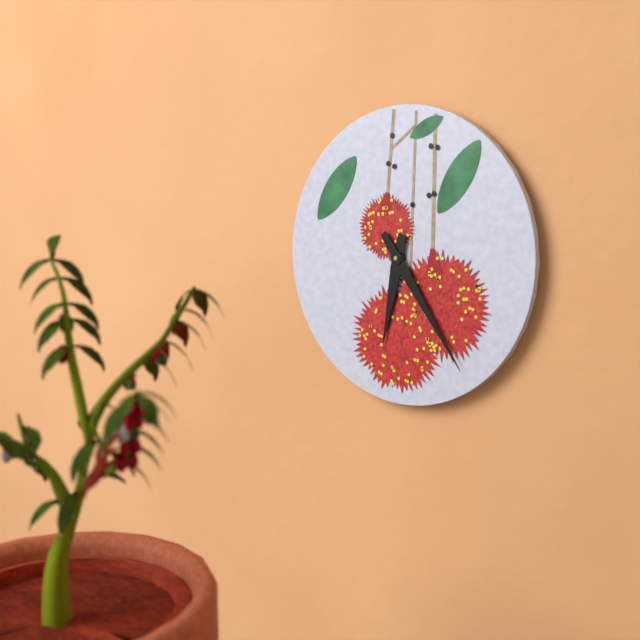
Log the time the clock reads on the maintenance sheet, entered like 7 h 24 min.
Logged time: 6 h 24 min
